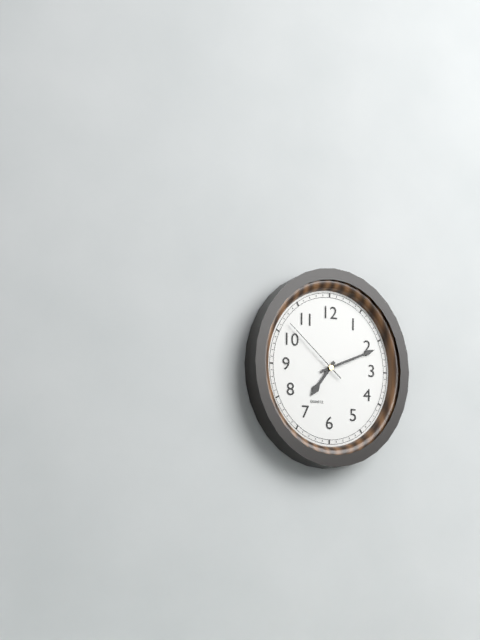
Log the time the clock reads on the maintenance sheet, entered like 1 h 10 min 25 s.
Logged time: 7 h 11 min 52 s
